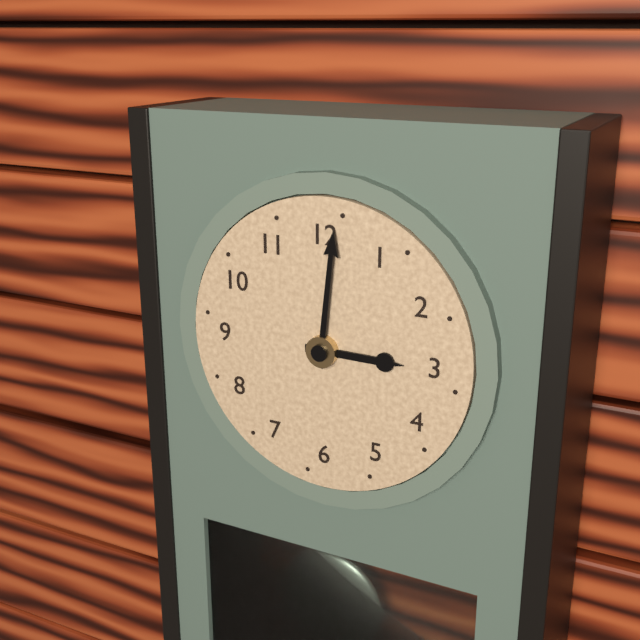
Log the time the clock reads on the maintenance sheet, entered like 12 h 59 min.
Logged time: 3 h 01 min
